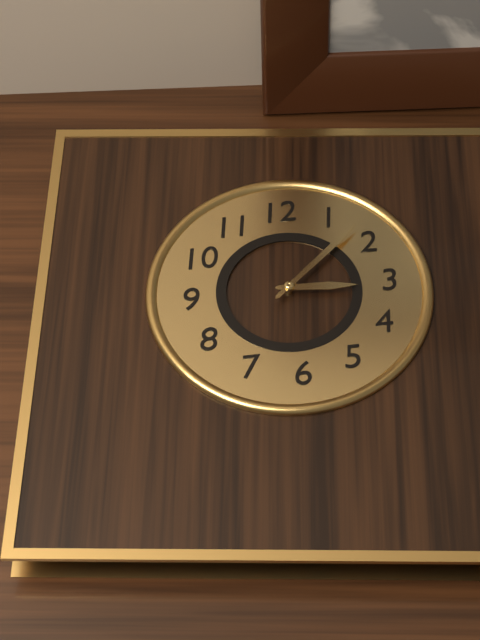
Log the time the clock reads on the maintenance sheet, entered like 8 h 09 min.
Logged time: 3 h 08 min
